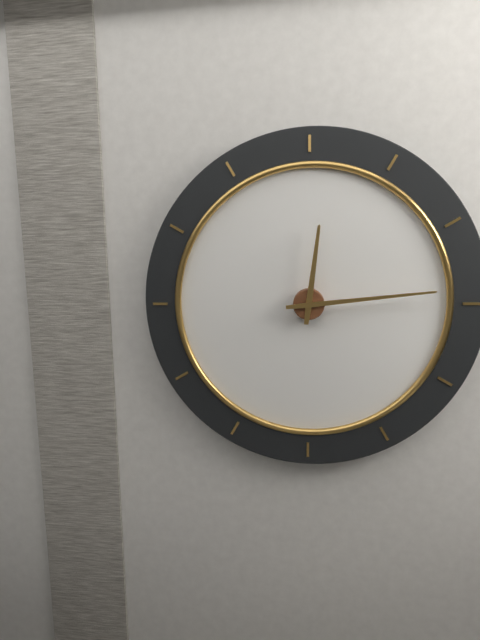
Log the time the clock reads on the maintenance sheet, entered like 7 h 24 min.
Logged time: 12 h 14 min
